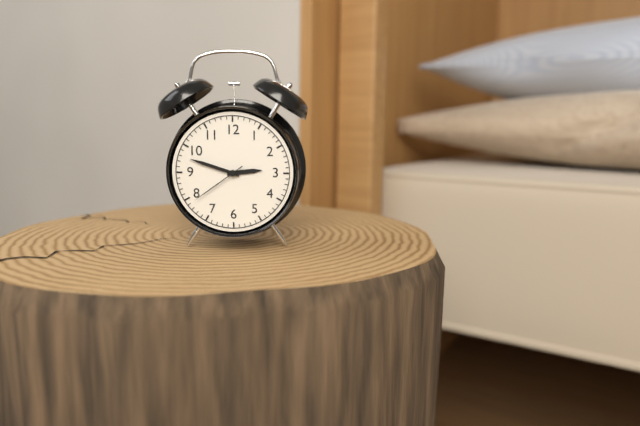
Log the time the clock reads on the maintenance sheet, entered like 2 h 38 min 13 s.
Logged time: 2 h 48 min 39 s
